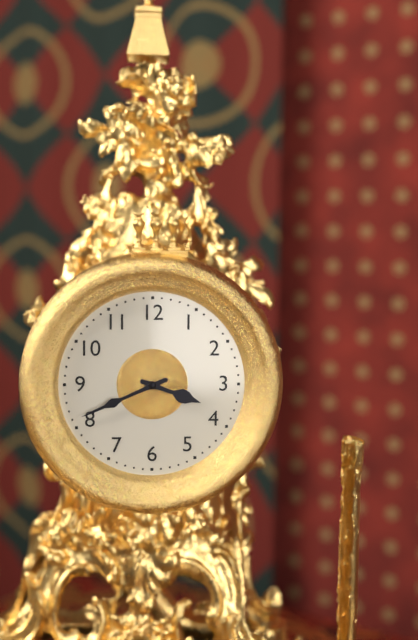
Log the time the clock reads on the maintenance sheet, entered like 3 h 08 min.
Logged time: 3 h 41 min
